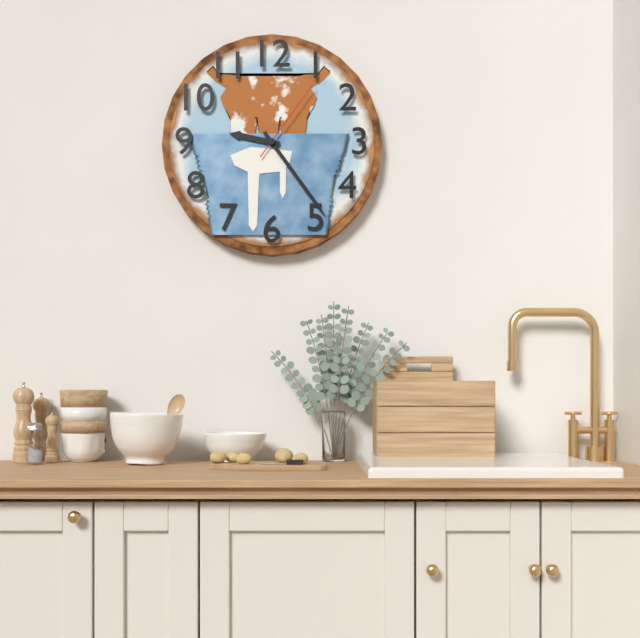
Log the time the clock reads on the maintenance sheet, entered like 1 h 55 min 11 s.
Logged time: 9 h 24 min 06 s
